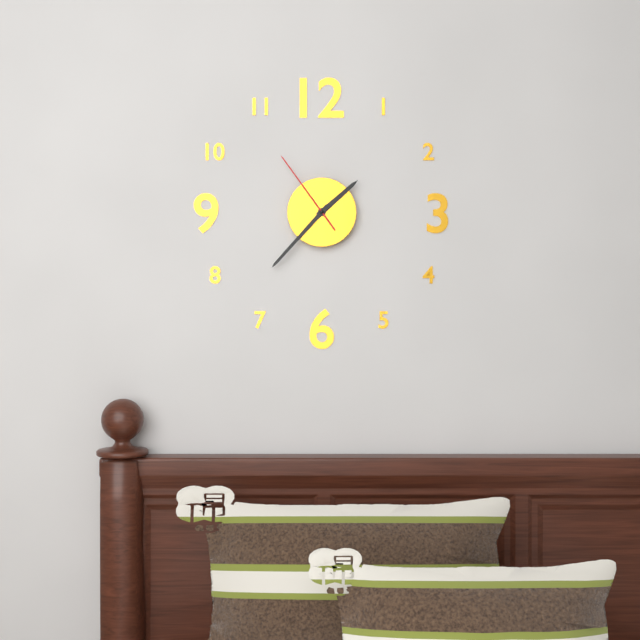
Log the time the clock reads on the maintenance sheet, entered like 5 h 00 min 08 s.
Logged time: 1 h 37 min 54 s
